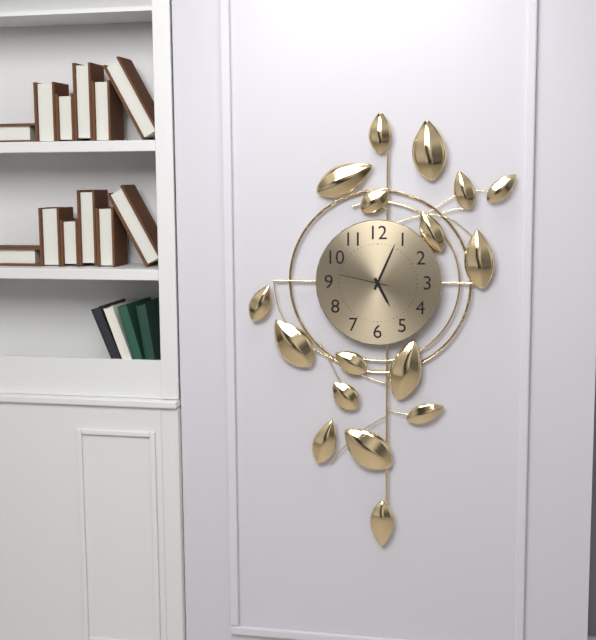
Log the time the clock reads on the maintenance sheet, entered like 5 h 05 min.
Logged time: 5 h 04 min
